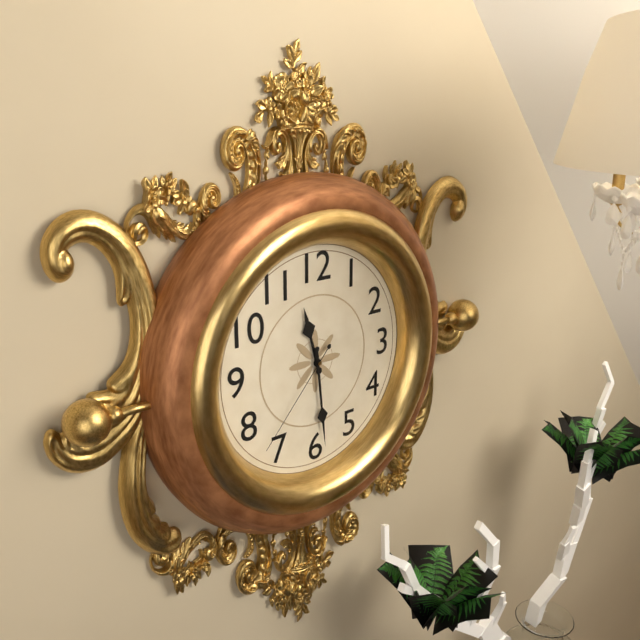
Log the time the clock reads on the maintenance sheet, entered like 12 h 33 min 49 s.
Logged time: 11 h 29 min 37 s
